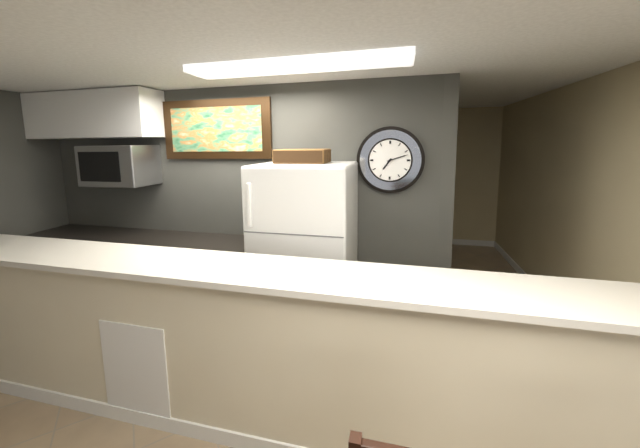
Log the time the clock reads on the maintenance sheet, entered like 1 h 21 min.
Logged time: 7 h 12 min
